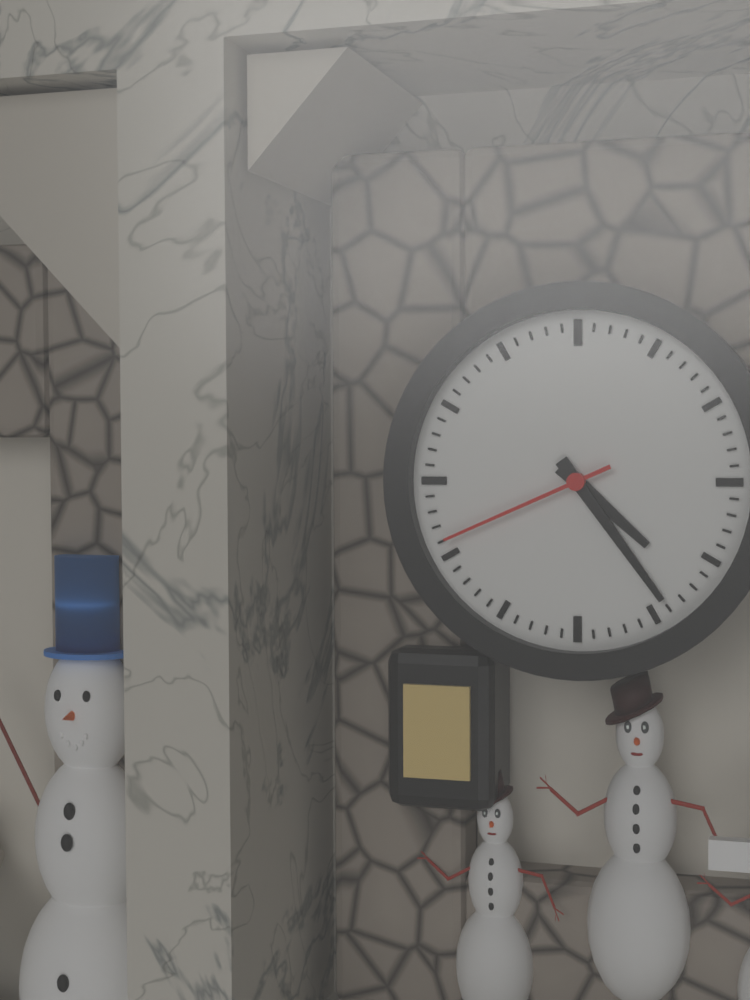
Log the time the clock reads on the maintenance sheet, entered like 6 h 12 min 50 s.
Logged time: 4 h 24 min 41 s
